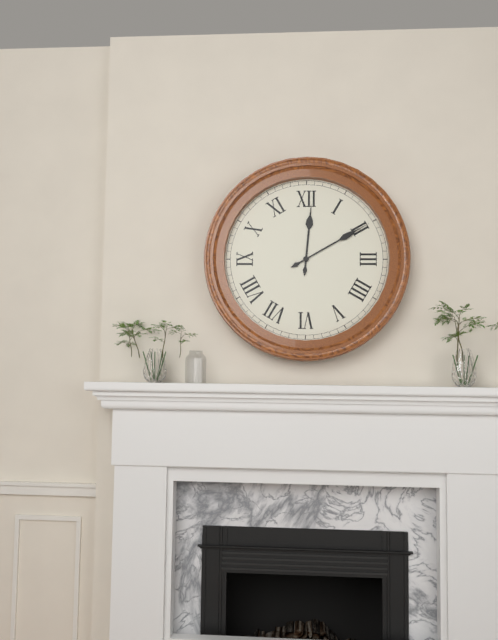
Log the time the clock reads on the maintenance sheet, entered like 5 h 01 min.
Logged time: 12 h 10 min
